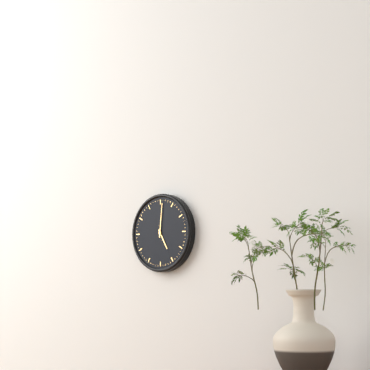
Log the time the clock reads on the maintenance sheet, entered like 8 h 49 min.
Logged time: 5 h 01 min
